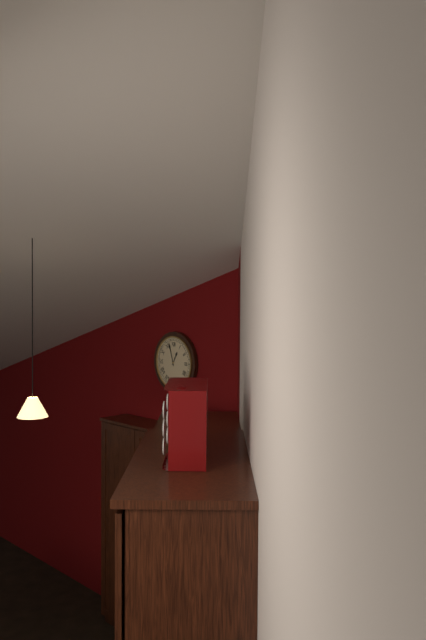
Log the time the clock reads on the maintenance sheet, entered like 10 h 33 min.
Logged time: 12 h 57 min
